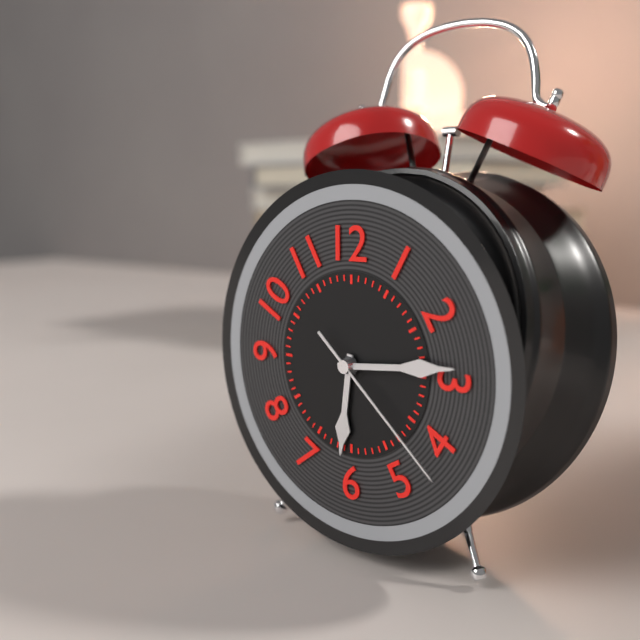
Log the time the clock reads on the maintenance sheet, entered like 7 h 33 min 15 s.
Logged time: 6 h 14 min 22 s
